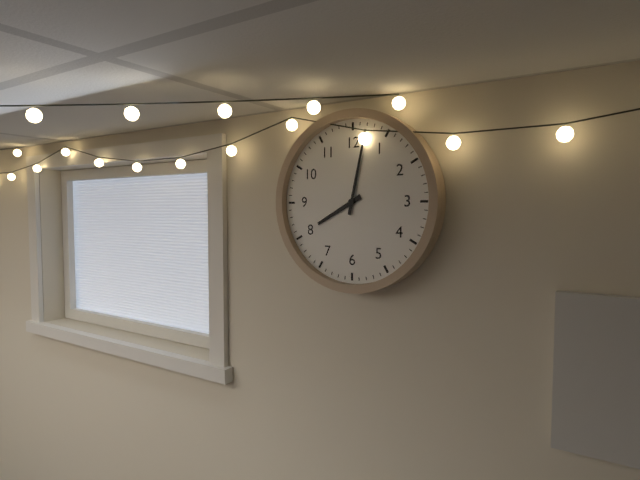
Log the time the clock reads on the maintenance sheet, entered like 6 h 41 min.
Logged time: 8 h 02 min
